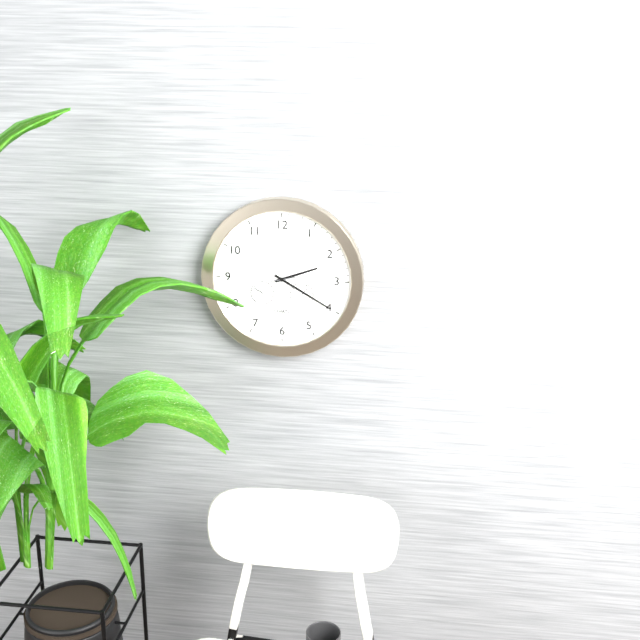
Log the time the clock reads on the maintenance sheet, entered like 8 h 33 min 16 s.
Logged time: 2 h 20 min 13 s
